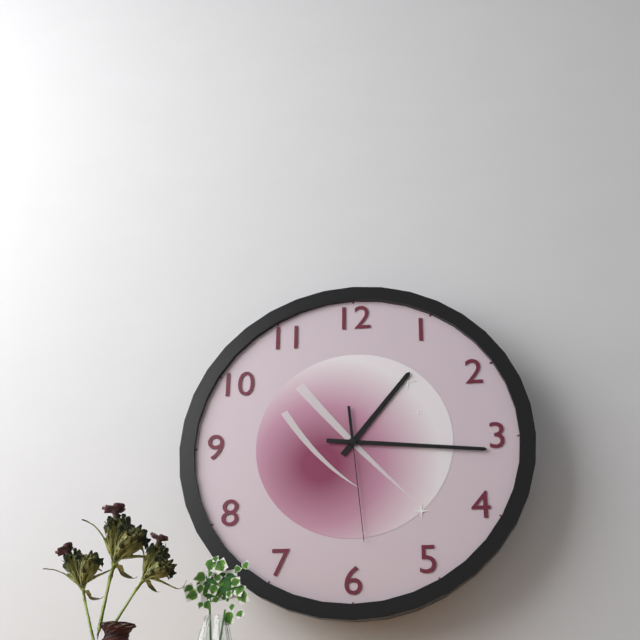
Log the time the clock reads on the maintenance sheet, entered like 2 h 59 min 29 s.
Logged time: 1 h 16 min 29 s
